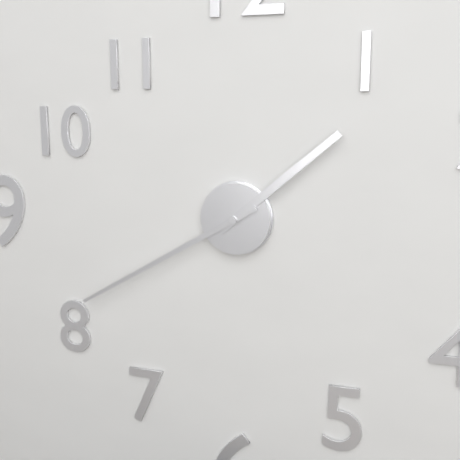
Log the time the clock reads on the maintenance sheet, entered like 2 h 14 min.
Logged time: 1 h 40 min
